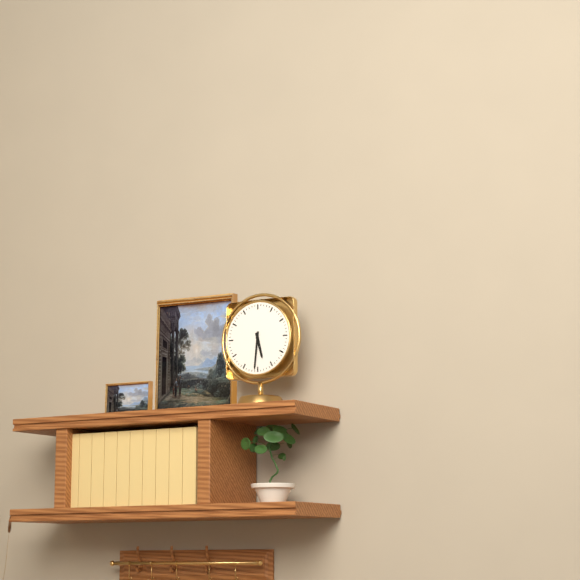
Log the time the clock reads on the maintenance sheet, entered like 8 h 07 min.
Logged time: 5 h 31 min
